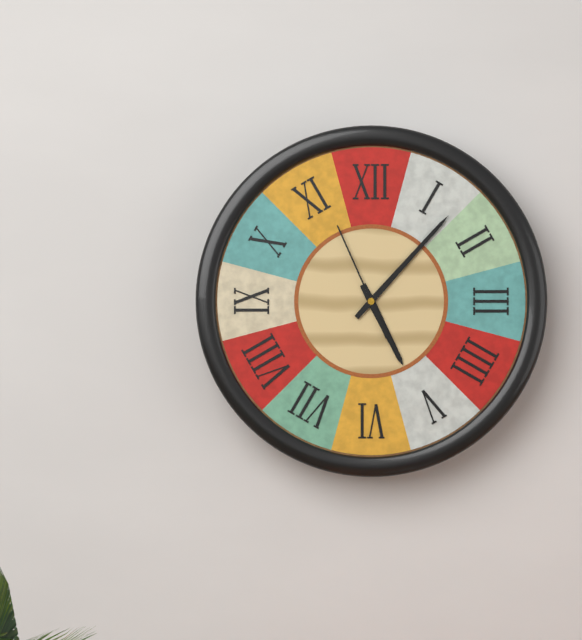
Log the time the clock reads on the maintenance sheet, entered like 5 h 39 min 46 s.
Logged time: 5 h 07 min 56 s
